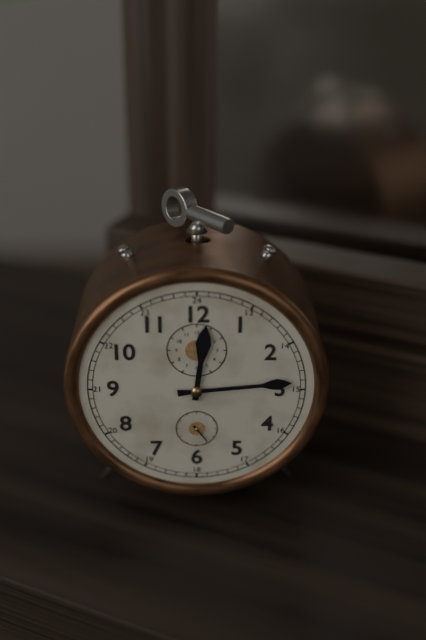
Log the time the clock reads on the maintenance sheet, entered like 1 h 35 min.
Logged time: 12 h 14 min
